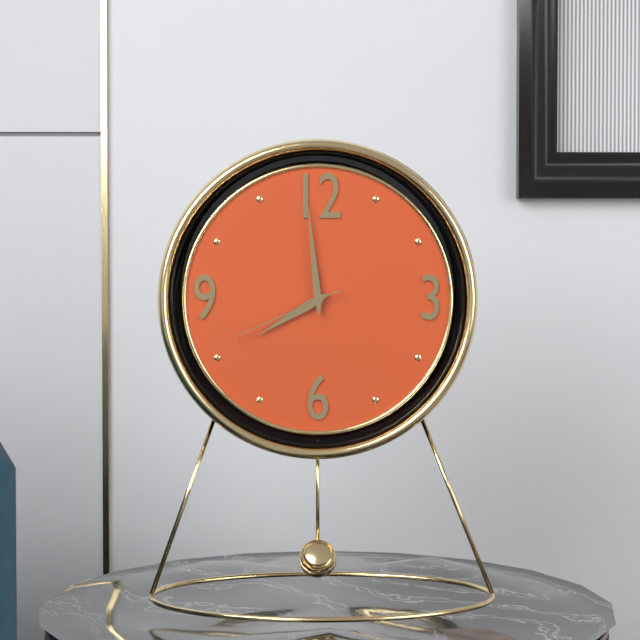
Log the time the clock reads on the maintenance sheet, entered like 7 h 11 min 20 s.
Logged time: 7 h 59 min 41 s
